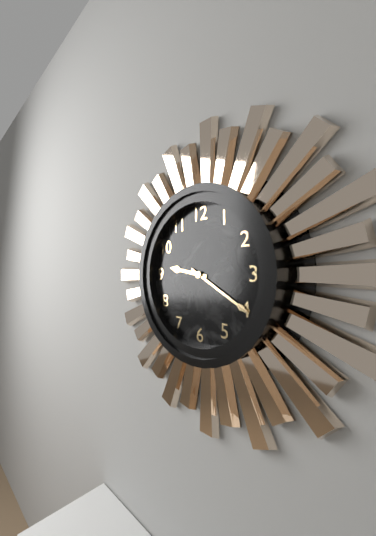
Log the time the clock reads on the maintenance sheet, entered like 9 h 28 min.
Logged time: 9 h 20 min
